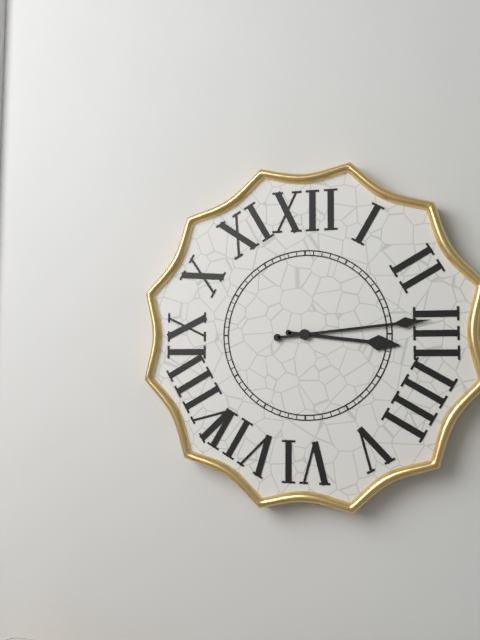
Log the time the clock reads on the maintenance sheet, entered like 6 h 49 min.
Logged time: 3 h 14 min
